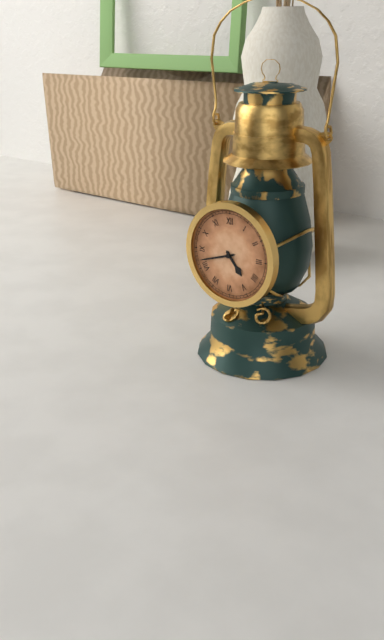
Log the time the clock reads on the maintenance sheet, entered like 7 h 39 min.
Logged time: 4 h 42 min
